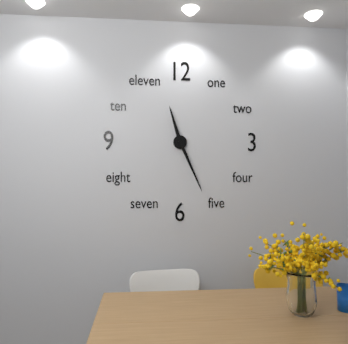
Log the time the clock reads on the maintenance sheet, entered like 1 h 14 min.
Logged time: 11 h 26 min
